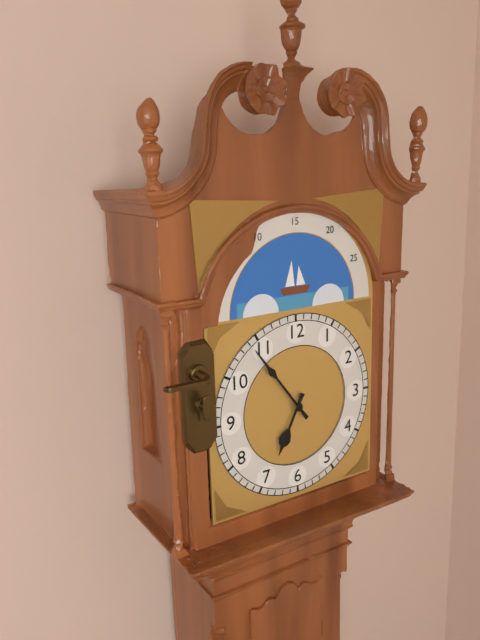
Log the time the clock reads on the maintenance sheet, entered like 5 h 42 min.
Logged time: 6 h 54 min
